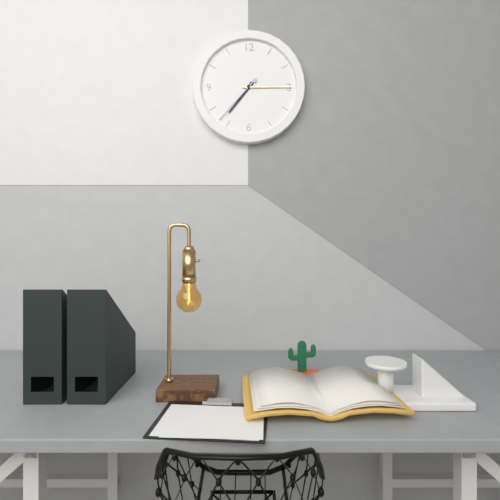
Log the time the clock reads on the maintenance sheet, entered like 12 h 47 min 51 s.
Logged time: 7 h 15 min 37 s
